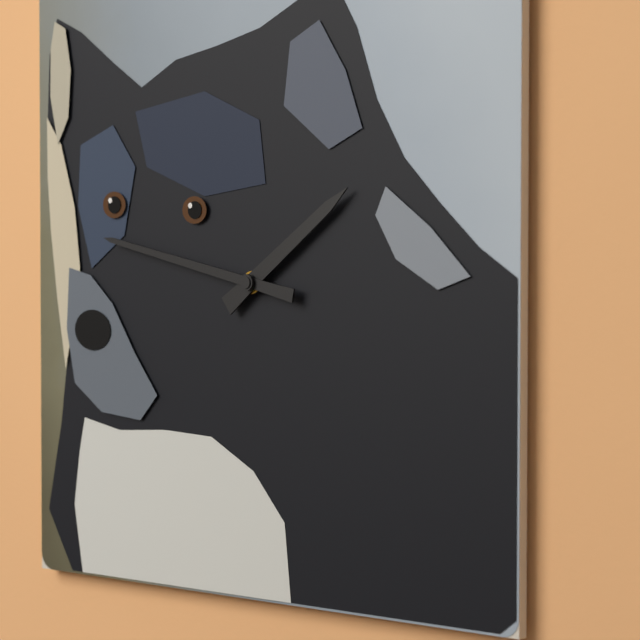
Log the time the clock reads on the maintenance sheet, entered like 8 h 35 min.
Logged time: 1 h 47 min
